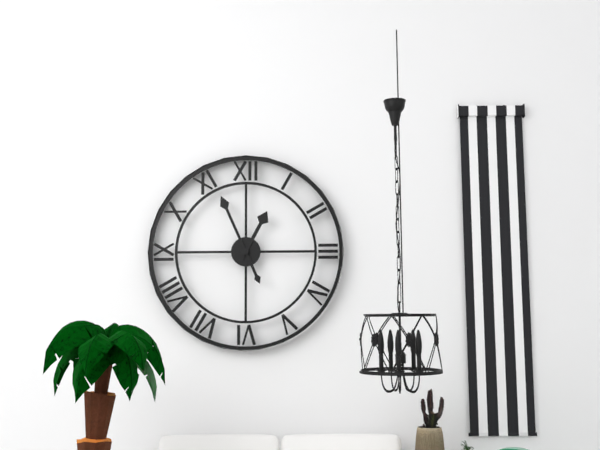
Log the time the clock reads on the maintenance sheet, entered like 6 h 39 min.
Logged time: 12 h 56 min
